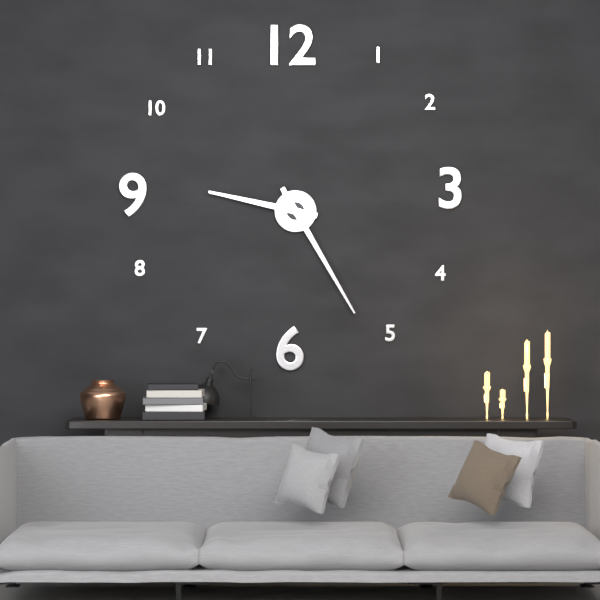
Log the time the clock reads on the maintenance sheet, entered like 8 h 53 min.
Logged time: 9 h 25 min
